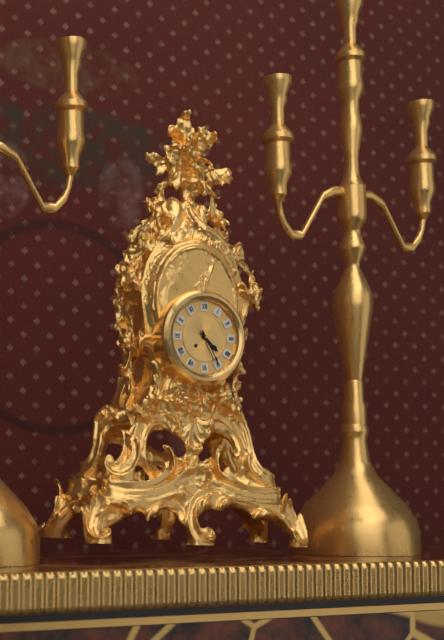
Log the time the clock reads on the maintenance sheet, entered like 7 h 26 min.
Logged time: 4 h 25 min
